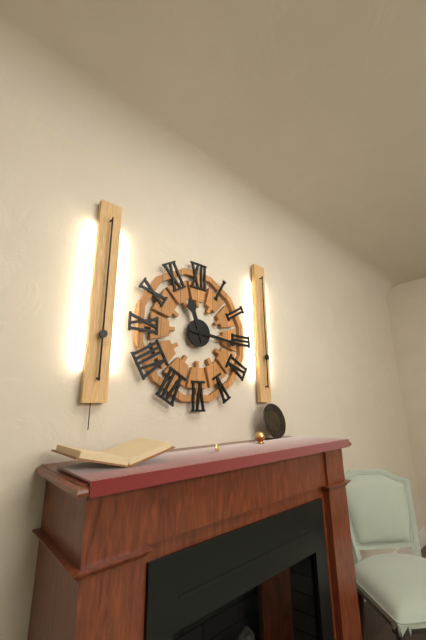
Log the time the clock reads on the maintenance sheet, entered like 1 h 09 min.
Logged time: 11 h 16 min
